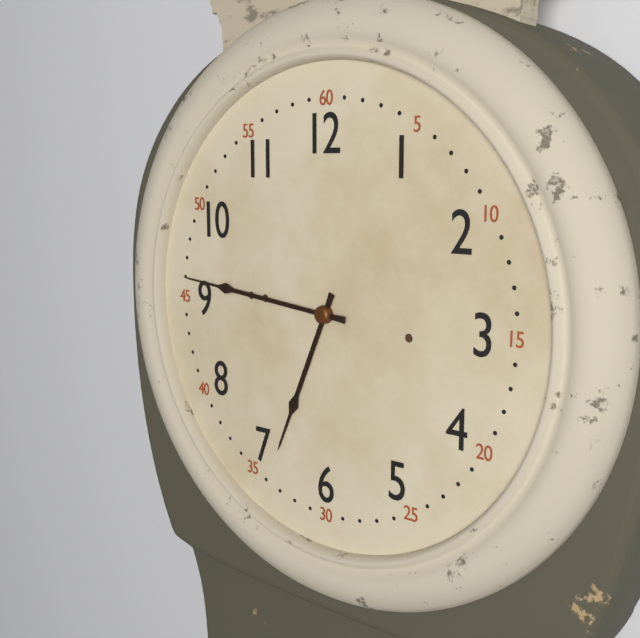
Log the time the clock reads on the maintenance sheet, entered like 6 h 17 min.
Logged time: 6 h 46 min
